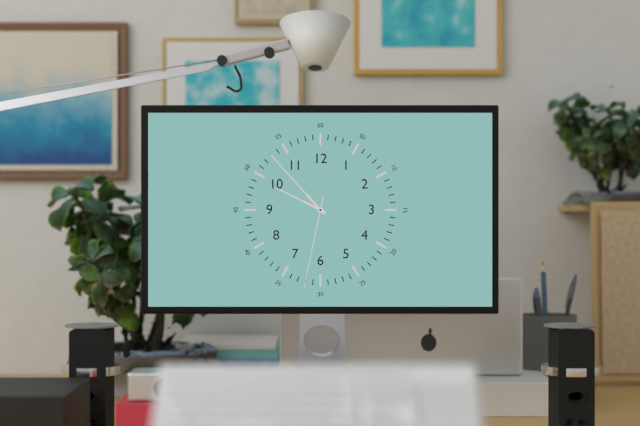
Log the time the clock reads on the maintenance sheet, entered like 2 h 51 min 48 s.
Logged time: 9 h 53 min 32 s
